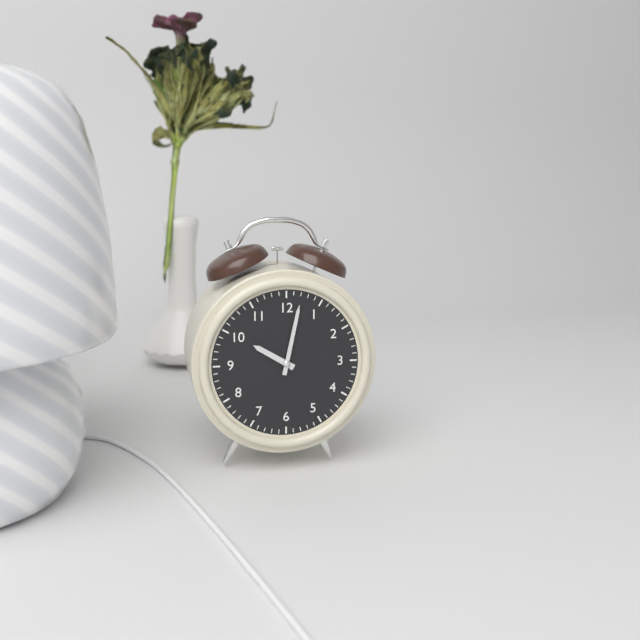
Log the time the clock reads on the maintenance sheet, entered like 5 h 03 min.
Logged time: 10 h 02 min
